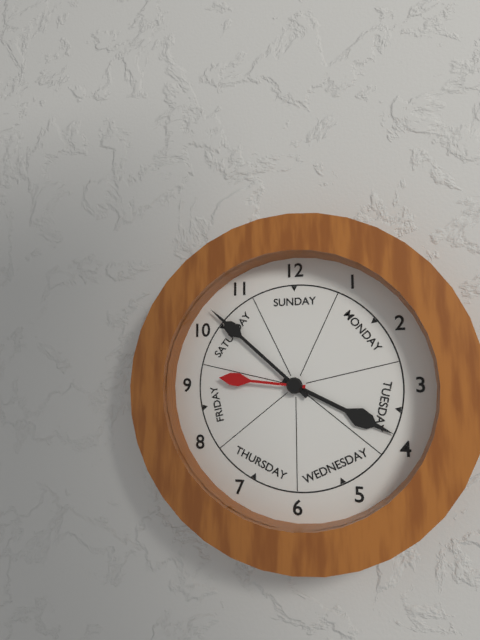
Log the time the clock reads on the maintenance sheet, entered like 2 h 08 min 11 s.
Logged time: 3 h 52 min 46 s
